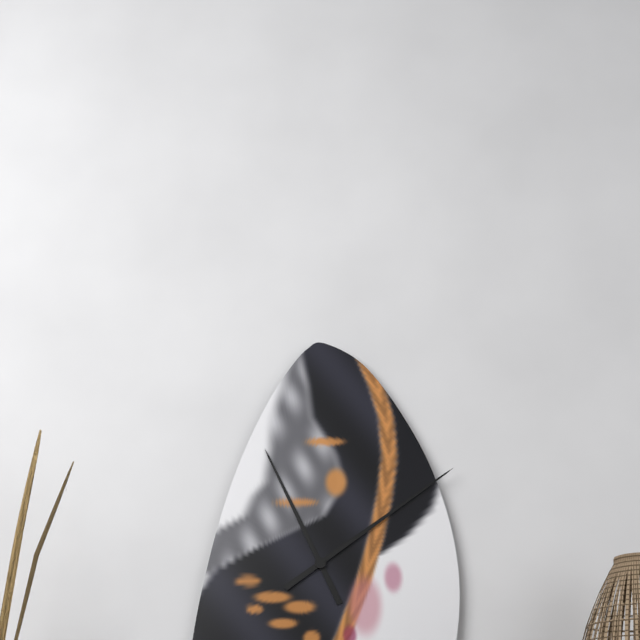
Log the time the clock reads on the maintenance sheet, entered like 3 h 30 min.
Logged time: 11 h 09 min
